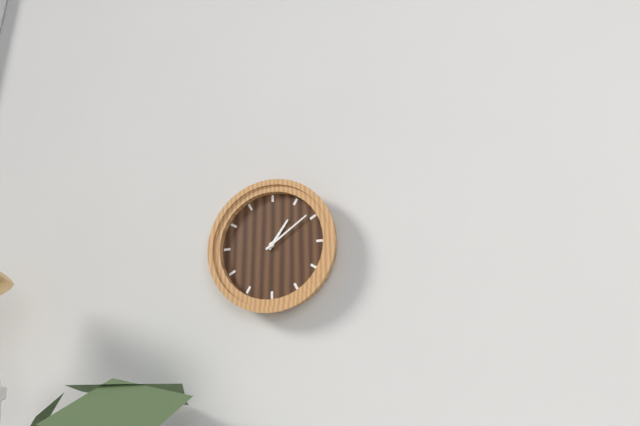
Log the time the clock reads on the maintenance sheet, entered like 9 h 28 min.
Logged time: 1 h 09 min
